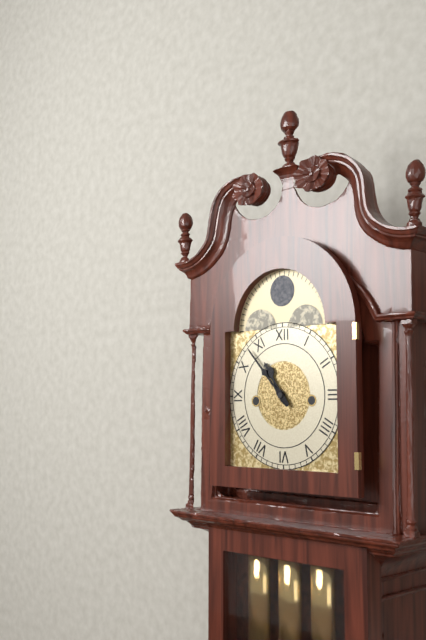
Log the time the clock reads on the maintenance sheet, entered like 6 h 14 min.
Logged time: 10 h 53 min
